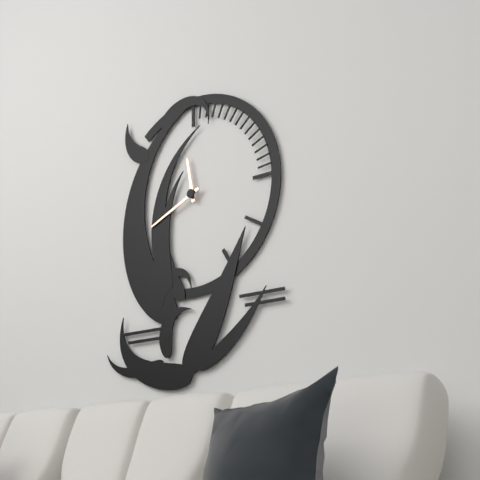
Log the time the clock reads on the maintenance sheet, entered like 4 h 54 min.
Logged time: 11 h 41 min
